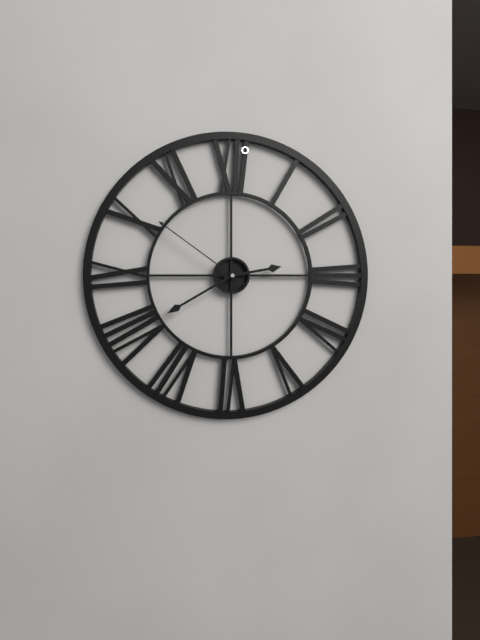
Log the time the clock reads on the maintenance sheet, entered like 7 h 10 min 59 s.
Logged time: 2 h 40 min 51 s
